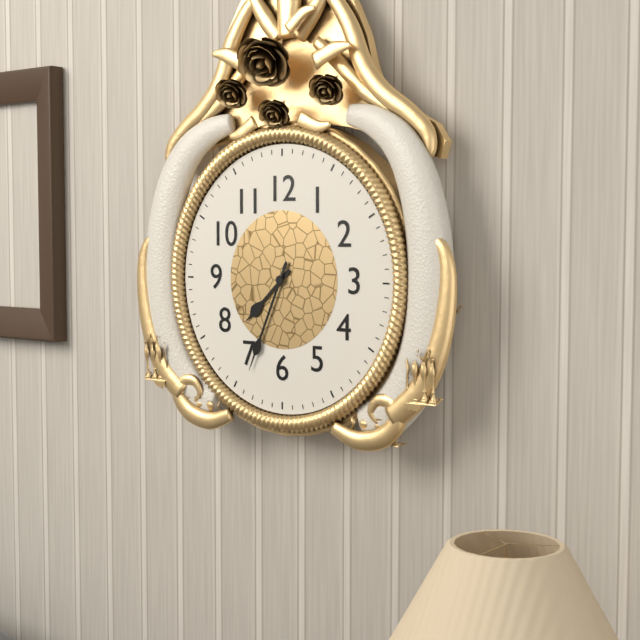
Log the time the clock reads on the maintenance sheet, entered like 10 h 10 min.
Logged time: 7 h 34 min
